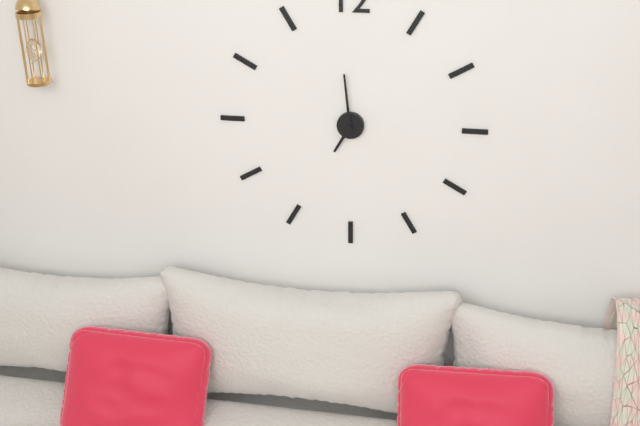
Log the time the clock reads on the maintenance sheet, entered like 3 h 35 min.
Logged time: 6 h 59 min
